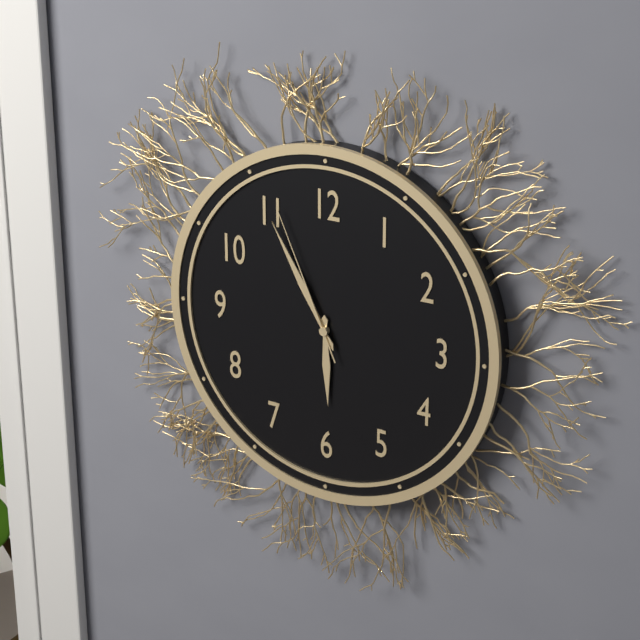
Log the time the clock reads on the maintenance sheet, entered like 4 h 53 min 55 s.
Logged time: 5 h 55 min 56 s
